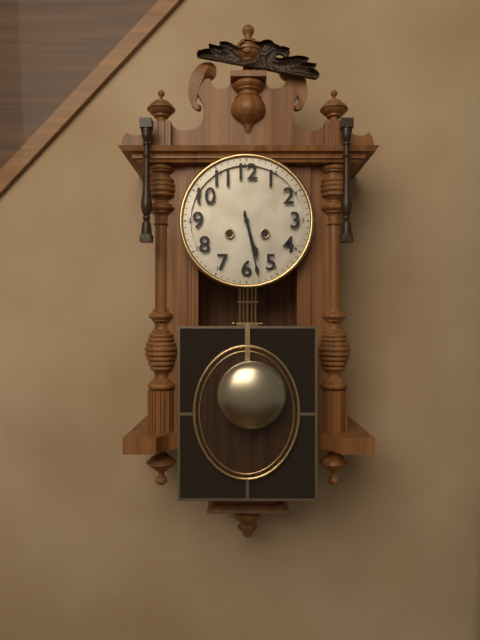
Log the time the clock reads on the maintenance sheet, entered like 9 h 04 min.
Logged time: 5 h 28 min
